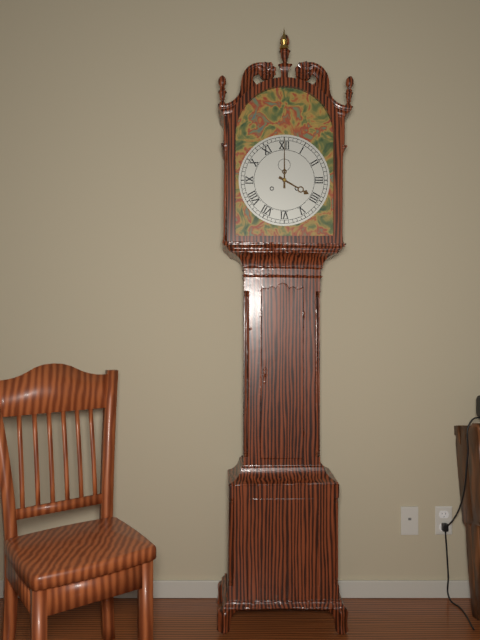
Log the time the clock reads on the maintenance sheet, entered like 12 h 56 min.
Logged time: 4 h 00 min
